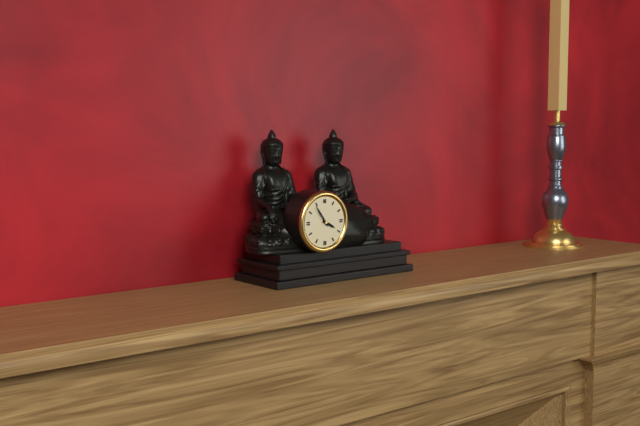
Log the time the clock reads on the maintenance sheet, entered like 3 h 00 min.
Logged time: 3 h 54 min
